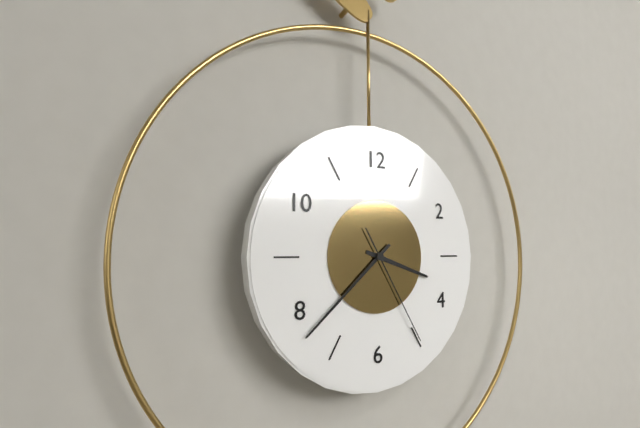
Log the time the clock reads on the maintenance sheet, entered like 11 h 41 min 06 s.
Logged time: 3 h 38 min 25 s
